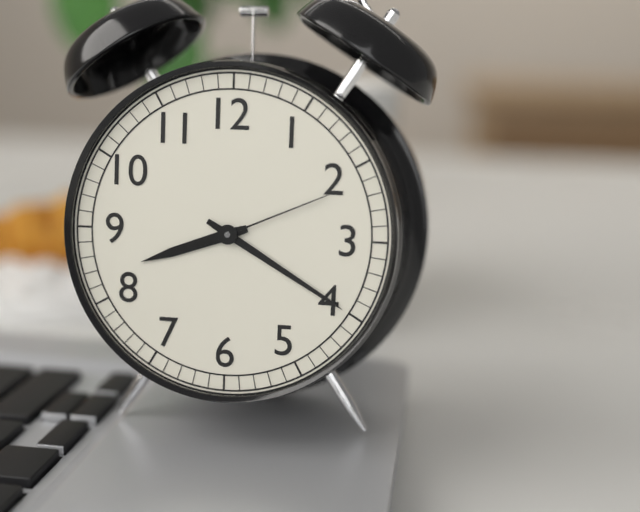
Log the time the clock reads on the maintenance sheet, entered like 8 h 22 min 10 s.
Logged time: 8 h 20 min 11 s
